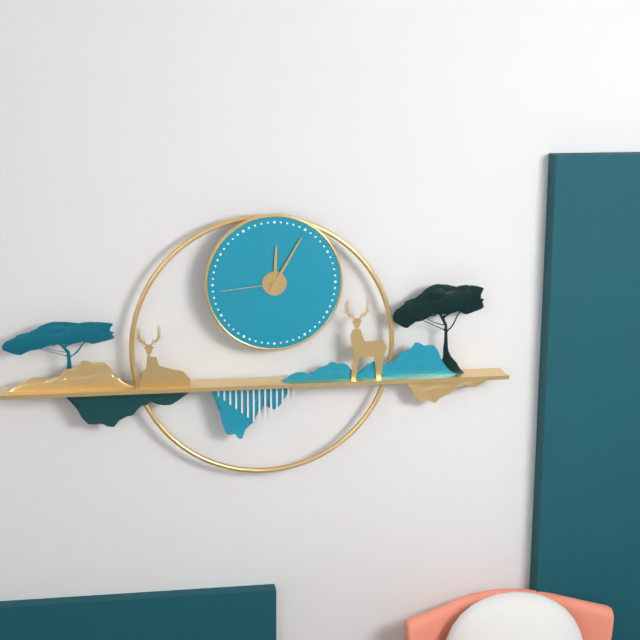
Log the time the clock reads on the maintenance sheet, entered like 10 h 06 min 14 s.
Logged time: 12 h 05 min 44 s
